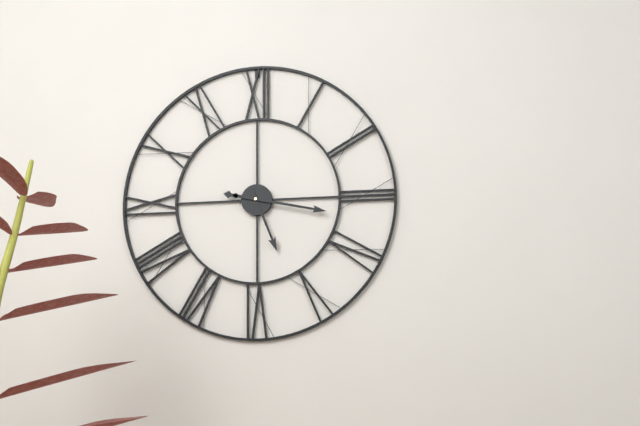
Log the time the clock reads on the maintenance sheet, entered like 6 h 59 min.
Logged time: 5 h 17 min
